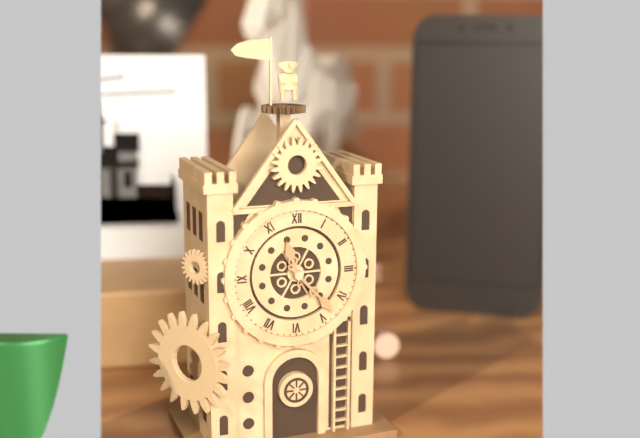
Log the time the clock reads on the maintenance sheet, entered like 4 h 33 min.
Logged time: 11 h 23 min
